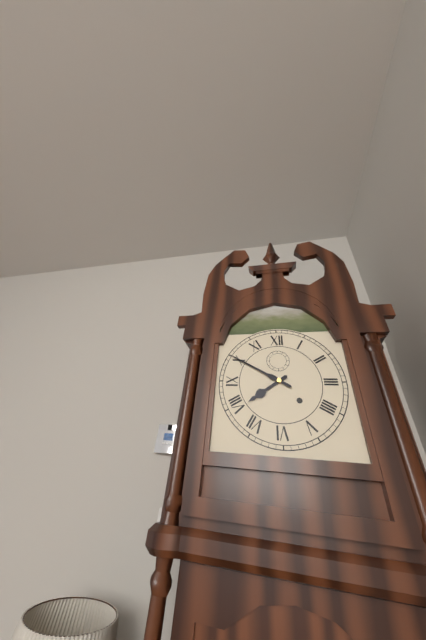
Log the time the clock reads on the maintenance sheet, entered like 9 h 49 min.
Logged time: 7 h 50 min
